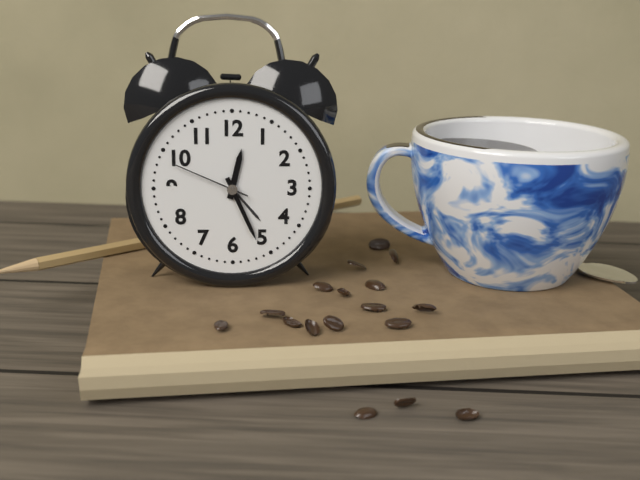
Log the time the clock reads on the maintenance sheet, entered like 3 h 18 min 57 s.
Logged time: 12 h 26 min 49 s
